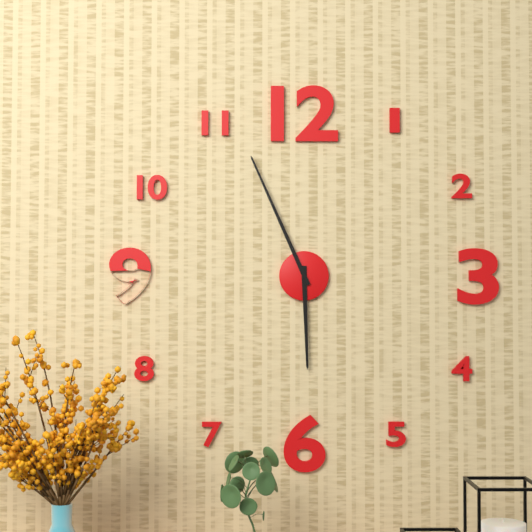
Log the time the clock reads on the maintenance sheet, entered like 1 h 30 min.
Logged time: 5 h 56 min
